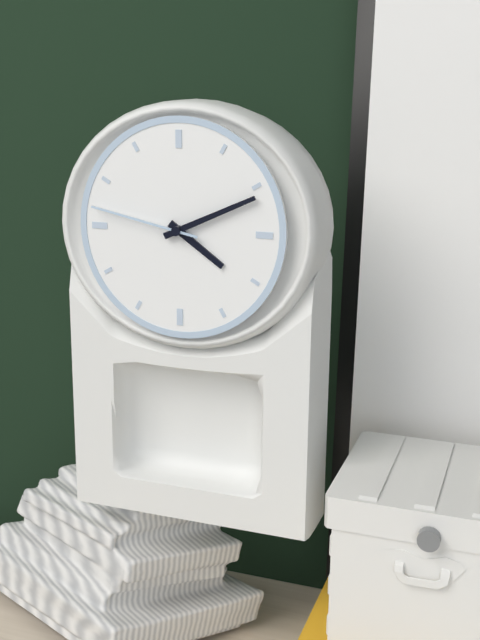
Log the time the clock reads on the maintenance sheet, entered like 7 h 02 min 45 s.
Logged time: 4 h 11 min 47 s
